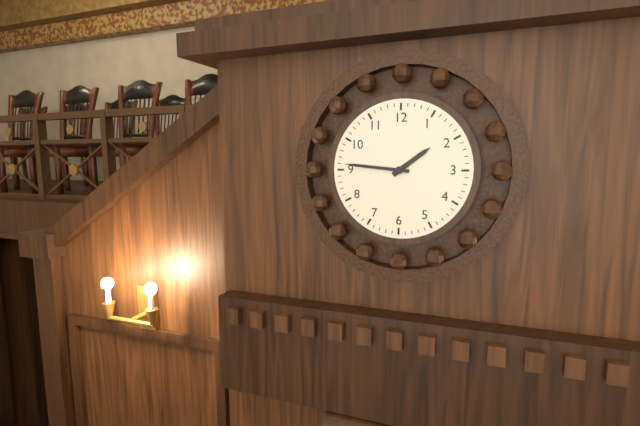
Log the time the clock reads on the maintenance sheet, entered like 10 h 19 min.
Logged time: 1 h 46 min
